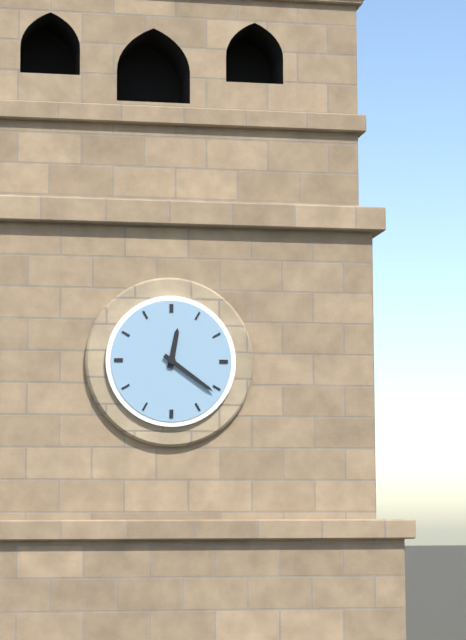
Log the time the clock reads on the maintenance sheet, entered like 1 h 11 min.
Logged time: 12 h 21 min
